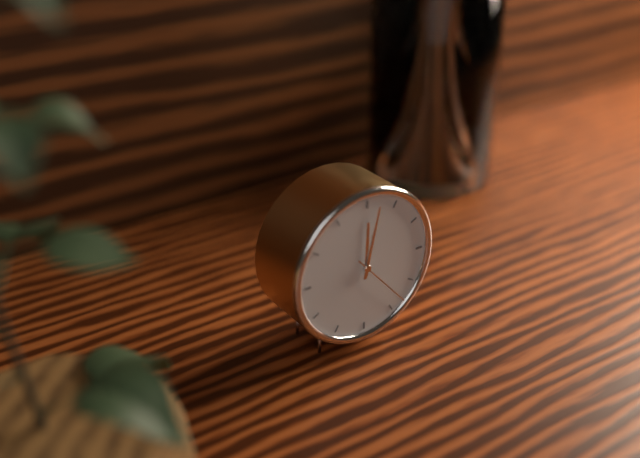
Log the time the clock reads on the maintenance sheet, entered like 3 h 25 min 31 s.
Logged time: 12 h 02 min 23 s
